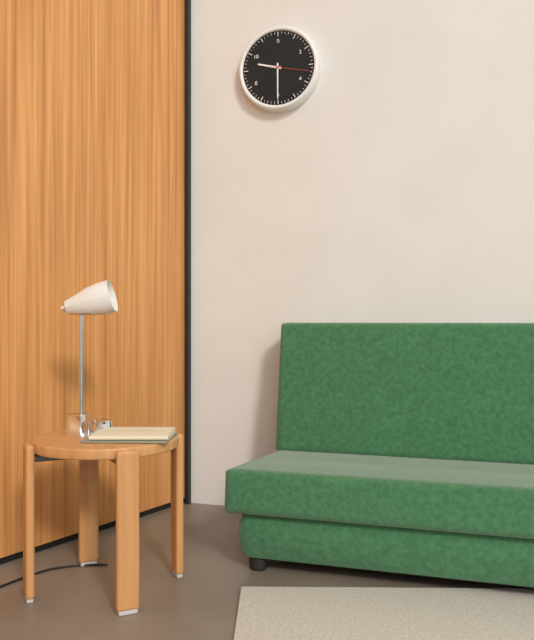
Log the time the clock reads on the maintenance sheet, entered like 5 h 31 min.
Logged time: 9 h 30 min
